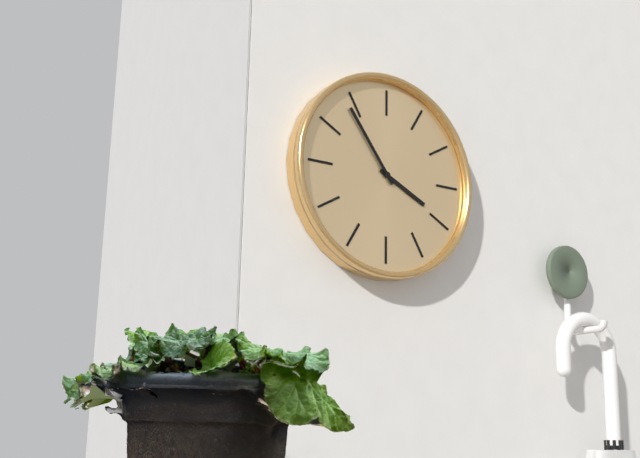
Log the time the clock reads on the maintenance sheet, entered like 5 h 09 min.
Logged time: 3 h 54 min
